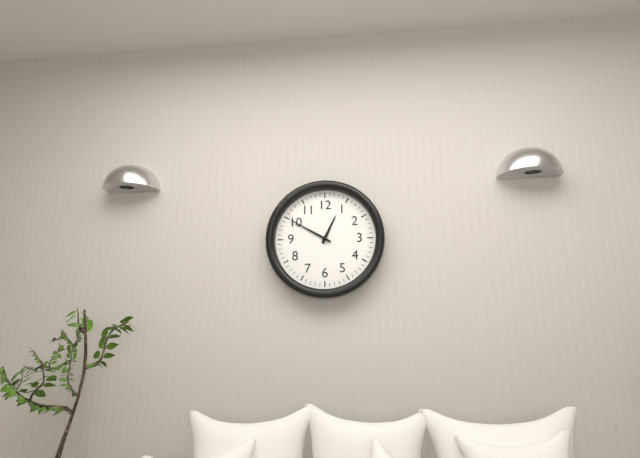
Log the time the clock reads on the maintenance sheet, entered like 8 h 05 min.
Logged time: 12 h 50 min
